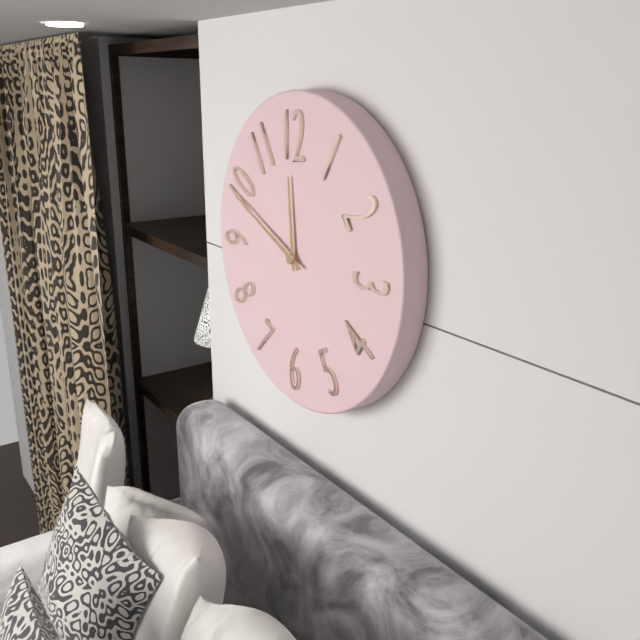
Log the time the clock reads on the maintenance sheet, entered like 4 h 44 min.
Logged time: 11 h 49 min
